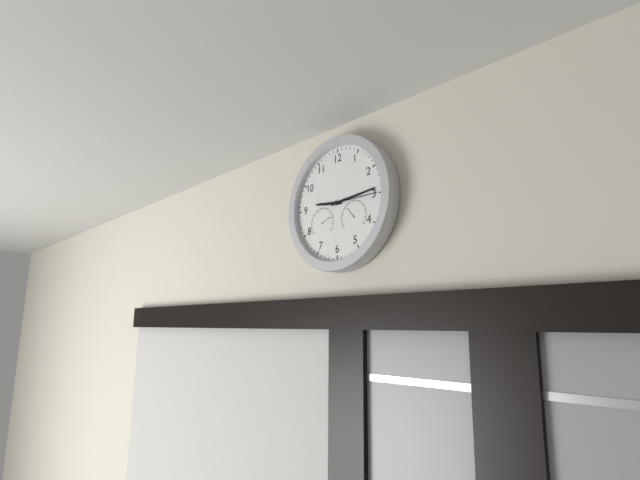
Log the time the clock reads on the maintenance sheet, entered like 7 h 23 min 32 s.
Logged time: 9 h 14 min 15 s
